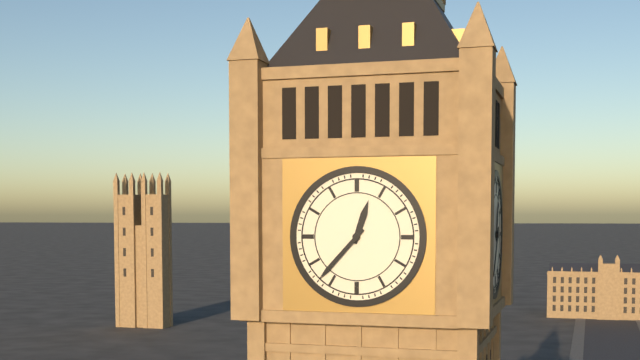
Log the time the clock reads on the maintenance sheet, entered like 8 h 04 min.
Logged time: 12 h 37 min
